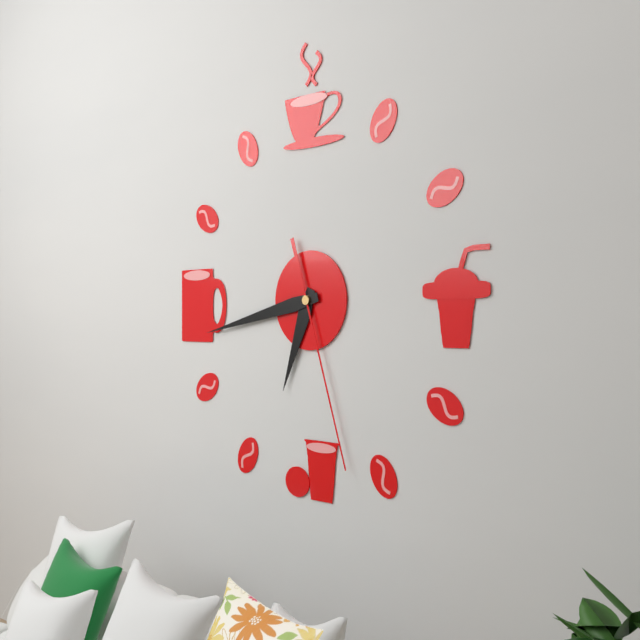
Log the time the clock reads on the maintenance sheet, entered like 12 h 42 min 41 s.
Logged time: 6 h 43 min 27 s
